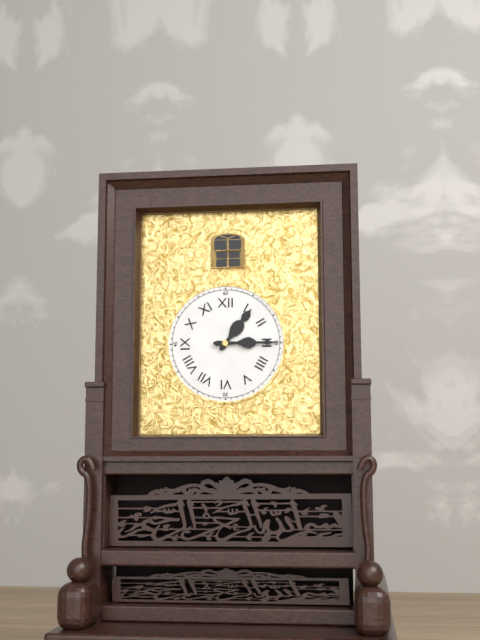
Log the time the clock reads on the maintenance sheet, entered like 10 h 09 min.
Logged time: 1 h 15 min
